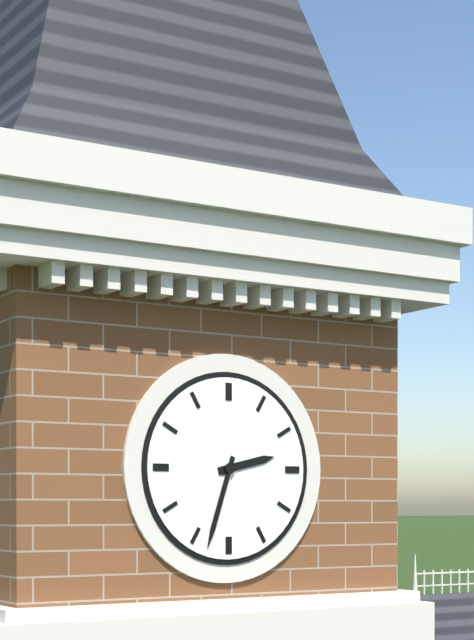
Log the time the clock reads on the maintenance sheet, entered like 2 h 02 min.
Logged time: 2 h 33 min
